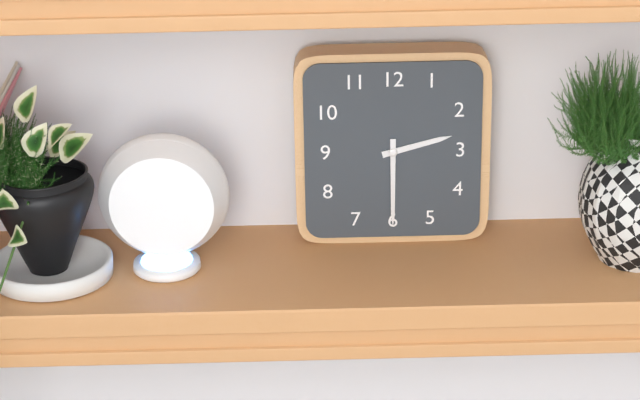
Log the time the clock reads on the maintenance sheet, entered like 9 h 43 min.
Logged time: 2 h 30 min
